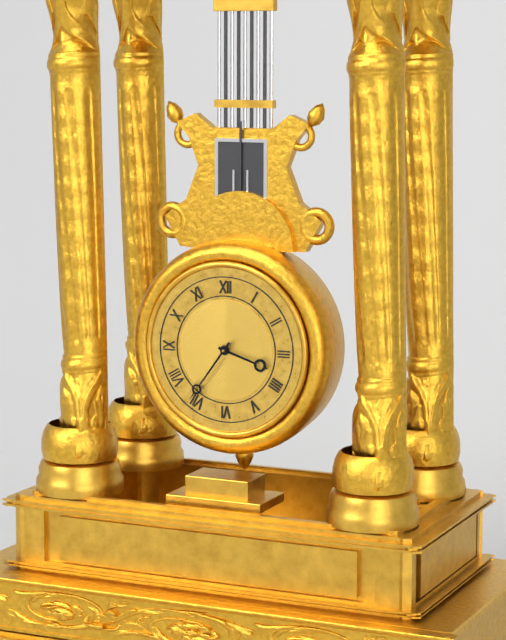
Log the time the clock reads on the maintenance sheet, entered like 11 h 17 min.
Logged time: 3 h 36 min
